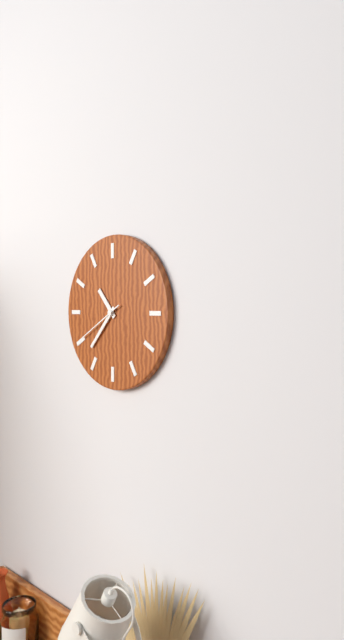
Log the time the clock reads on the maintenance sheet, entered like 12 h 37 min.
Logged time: 10 h 37 min
